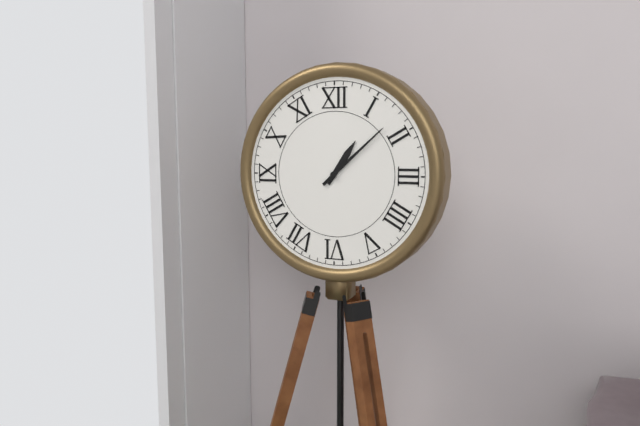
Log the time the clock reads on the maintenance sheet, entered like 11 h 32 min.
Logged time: 1 h 08 min
